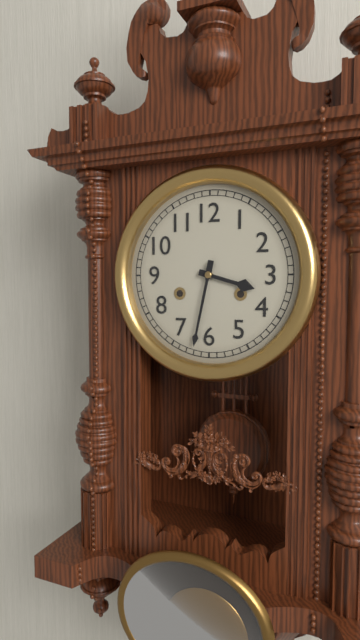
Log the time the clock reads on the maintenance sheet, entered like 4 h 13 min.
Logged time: 3 h 32 min
